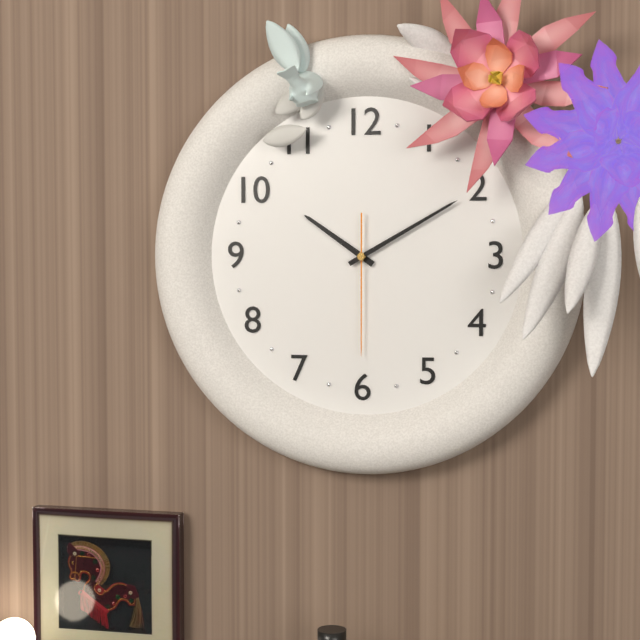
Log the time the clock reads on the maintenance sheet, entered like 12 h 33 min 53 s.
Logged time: 10 h 10 min 30 s
